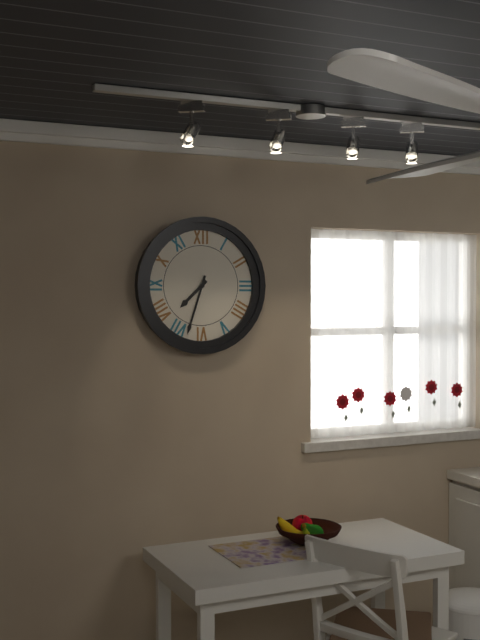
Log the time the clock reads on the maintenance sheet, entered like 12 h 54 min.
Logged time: 7 h 33 min
